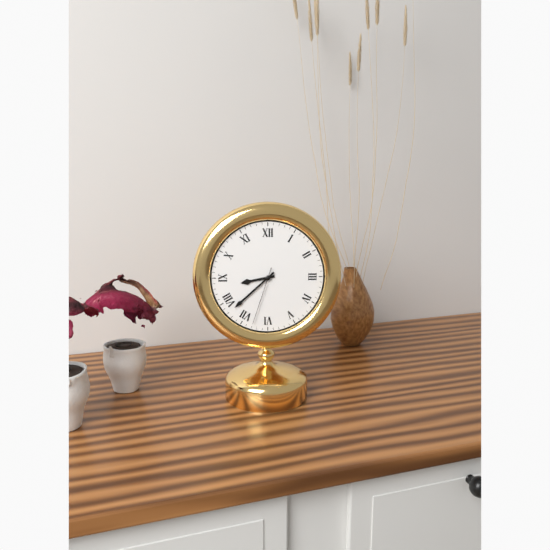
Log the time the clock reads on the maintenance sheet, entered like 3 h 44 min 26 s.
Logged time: 8 h 38 min 33 s
